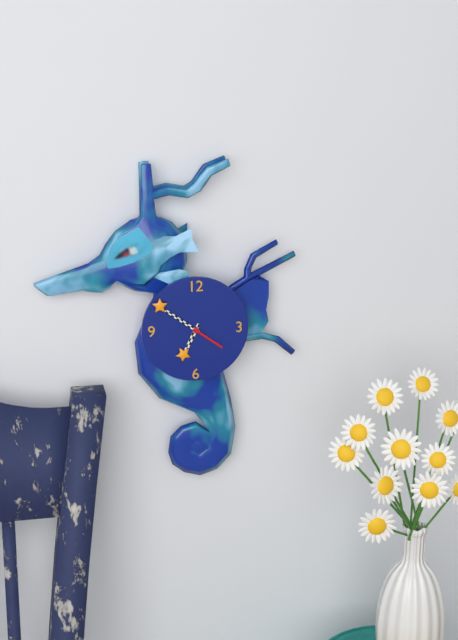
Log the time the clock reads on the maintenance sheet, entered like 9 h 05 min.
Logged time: 6 h 51 min
